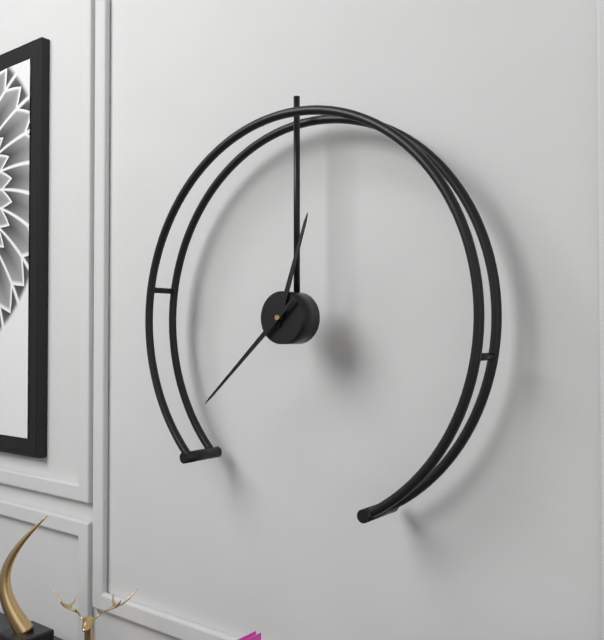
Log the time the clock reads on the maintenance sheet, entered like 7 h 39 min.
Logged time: 12 h 38 min
